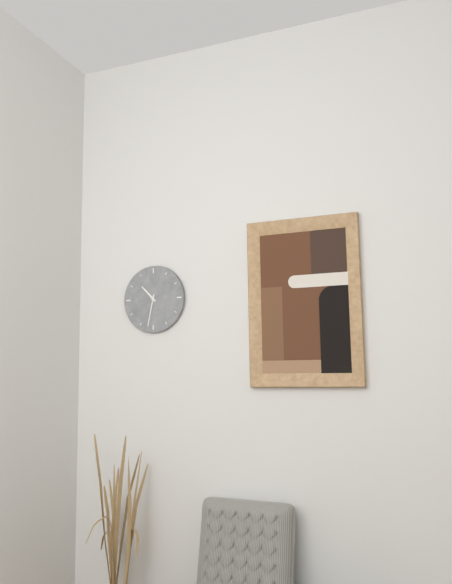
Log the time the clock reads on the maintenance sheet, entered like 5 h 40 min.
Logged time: 10 h 32 min
